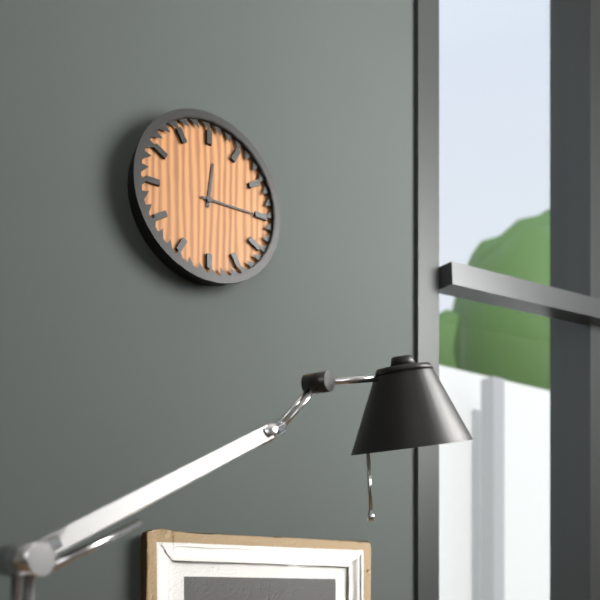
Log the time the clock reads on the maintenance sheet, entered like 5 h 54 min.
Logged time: 12 h 15 min
